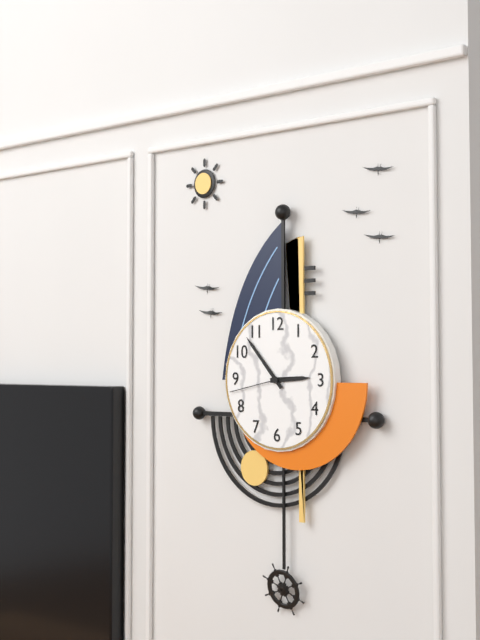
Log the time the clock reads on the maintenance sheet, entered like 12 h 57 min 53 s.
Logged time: 2 h 53 min 43 s
